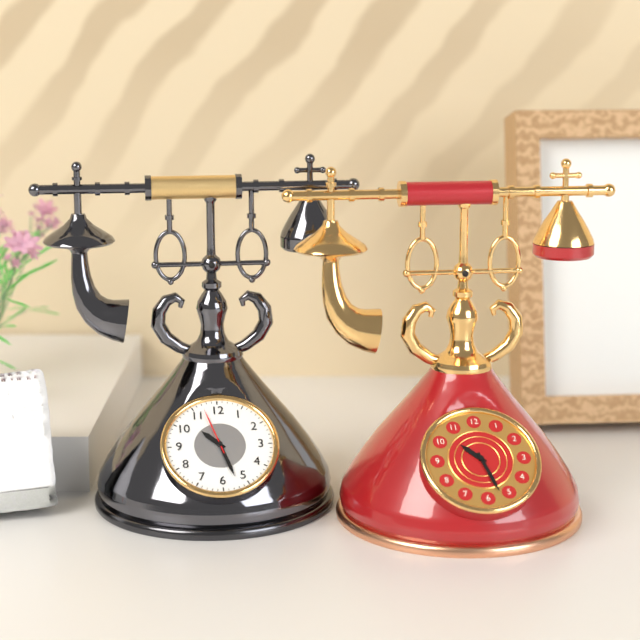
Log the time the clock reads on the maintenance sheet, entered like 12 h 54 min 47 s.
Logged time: 10 h 27 min 57 s
